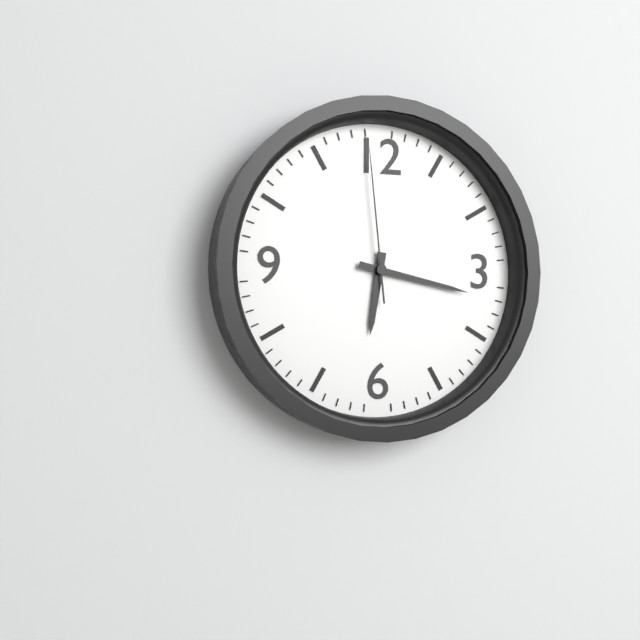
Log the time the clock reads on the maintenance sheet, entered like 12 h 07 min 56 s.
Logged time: 6 h 17 min 59 s
